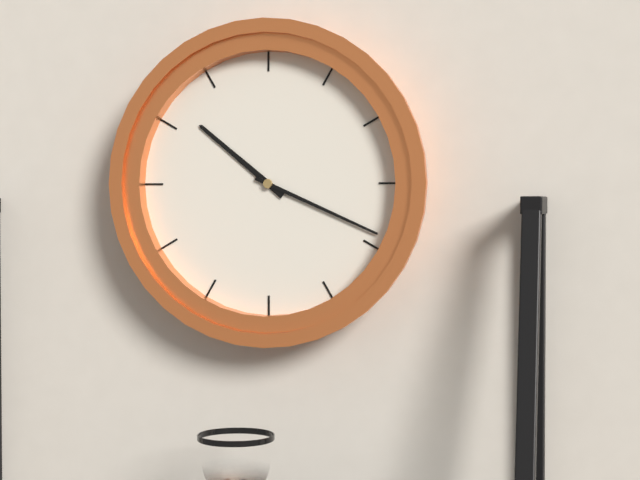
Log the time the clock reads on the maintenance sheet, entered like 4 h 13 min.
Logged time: 10 h 19 min
